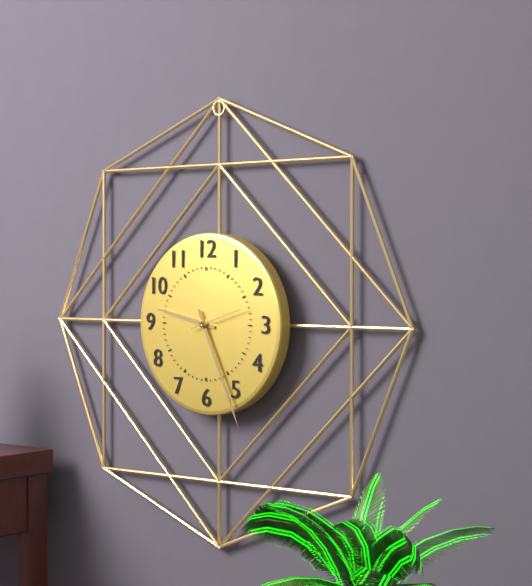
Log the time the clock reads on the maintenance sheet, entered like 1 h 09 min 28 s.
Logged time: 9 h 26 min 12 s
